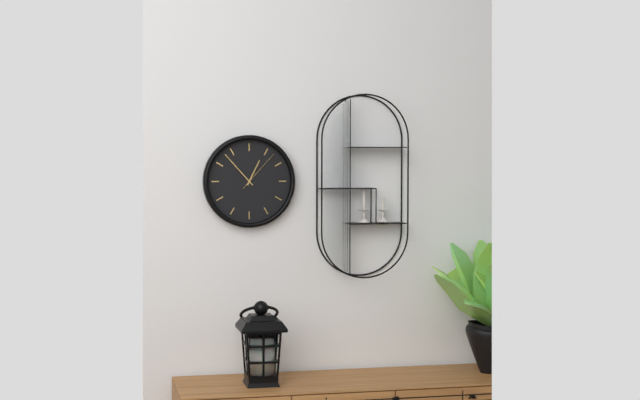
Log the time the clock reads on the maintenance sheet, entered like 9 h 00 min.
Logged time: 12 h 53 min
